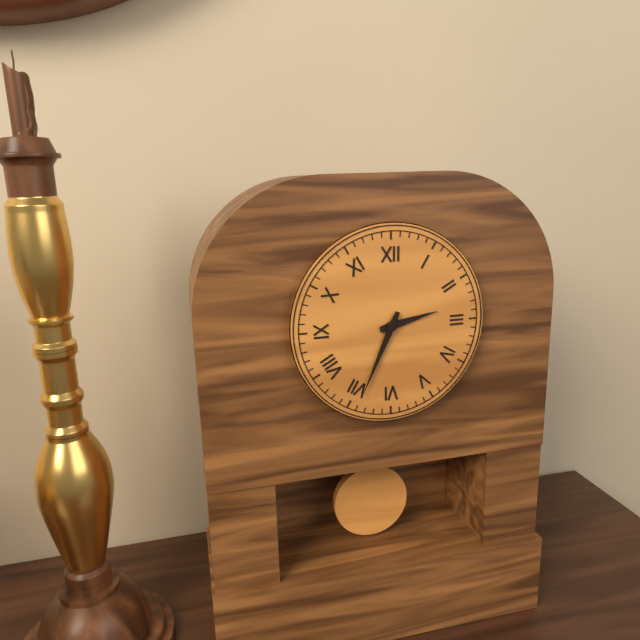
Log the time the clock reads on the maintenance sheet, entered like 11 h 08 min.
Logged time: 2 h 34 min
